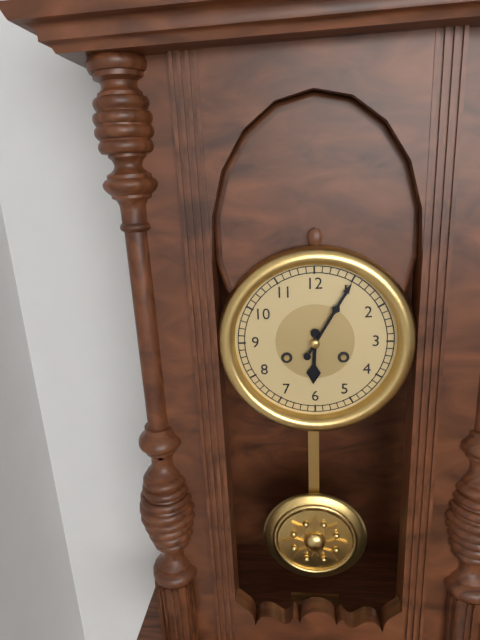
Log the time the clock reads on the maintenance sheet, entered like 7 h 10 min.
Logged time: 6 h 05 min
